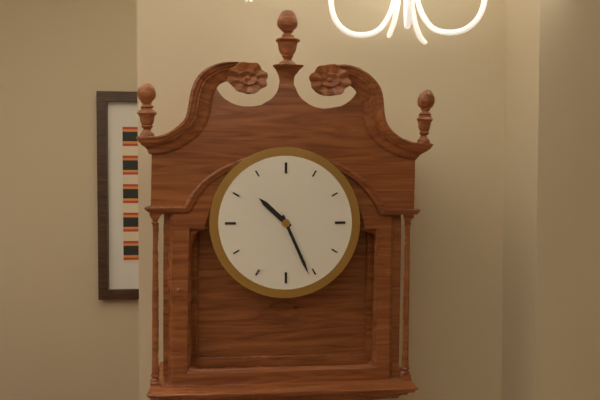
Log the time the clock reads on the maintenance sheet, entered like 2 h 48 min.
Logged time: 10 h 26 min
